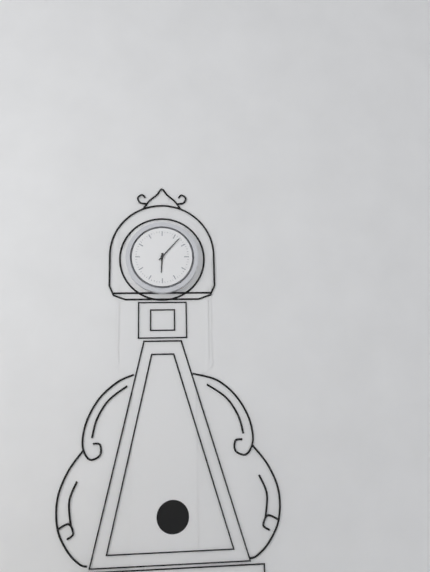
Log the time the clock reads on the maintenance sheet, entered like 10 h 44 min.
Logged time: 6 h 07 min
